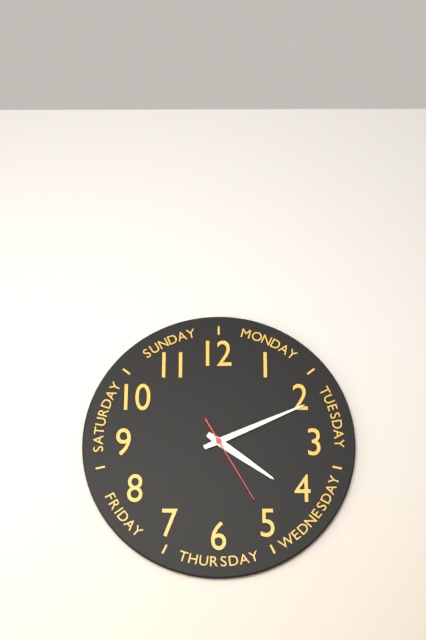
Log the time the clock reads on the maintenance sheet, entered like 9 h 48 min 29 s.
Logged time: 4 h 11 min 25 s
